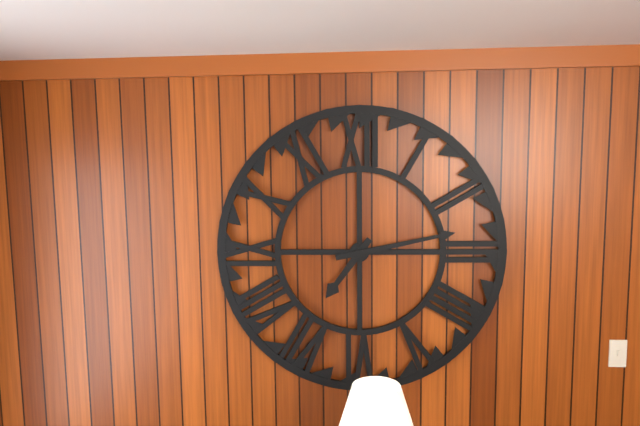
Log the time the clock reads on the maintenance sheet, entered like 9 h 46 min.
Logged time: 7 h 13 min
